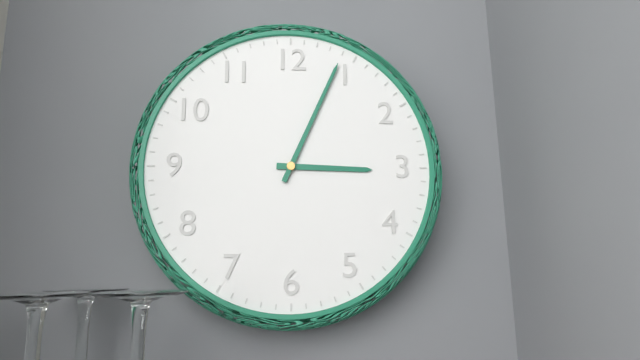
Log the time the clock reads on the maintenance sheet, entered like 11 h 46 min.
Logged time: 3 h 04 min
